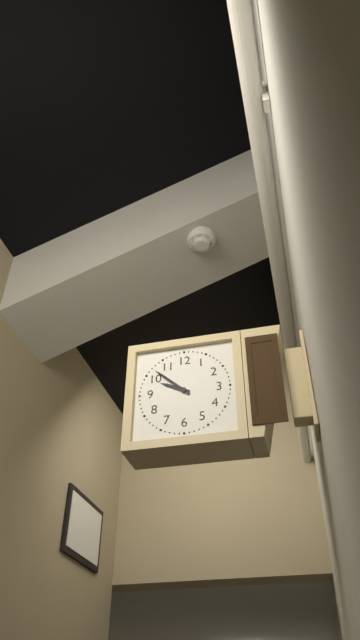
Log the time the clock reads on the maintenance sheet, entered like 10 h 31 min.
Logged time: 9 h 52 min
